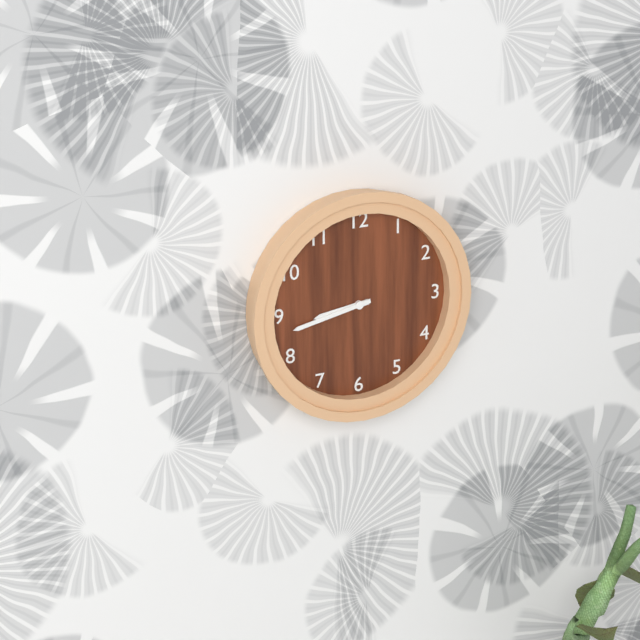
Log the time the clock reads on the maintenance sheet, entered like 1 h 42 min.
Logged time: 8 h 43 min
